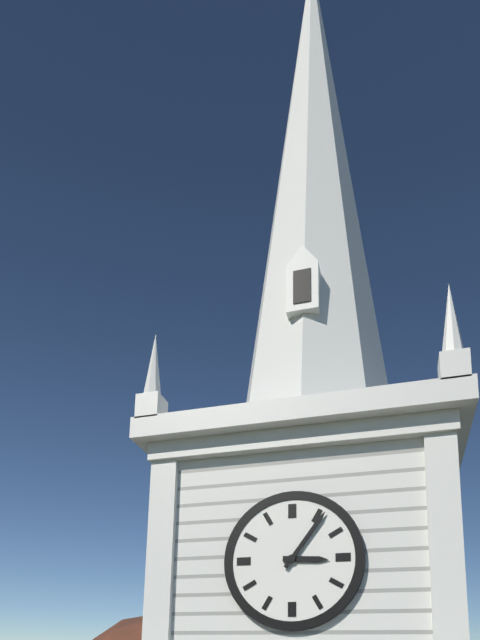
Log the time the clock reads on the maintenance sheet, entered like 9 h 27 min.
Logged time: 3 h 06 min
